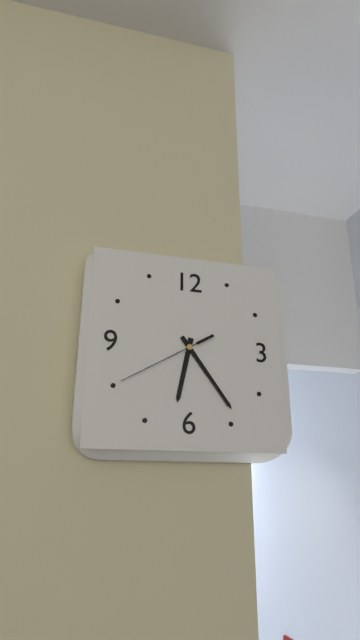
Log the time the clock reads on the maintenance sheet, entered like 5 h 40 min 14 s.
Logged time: 6 h 24 min 40 s
